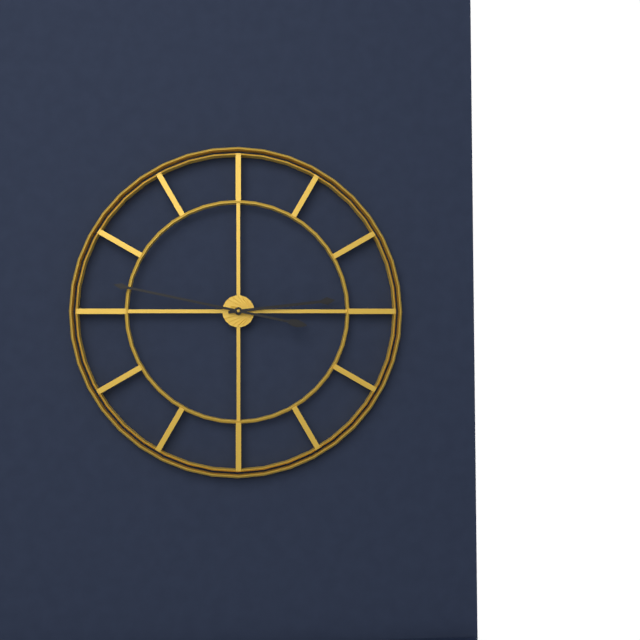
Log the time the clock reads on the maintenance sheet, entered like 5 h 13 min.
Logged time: 2 h 47 min
